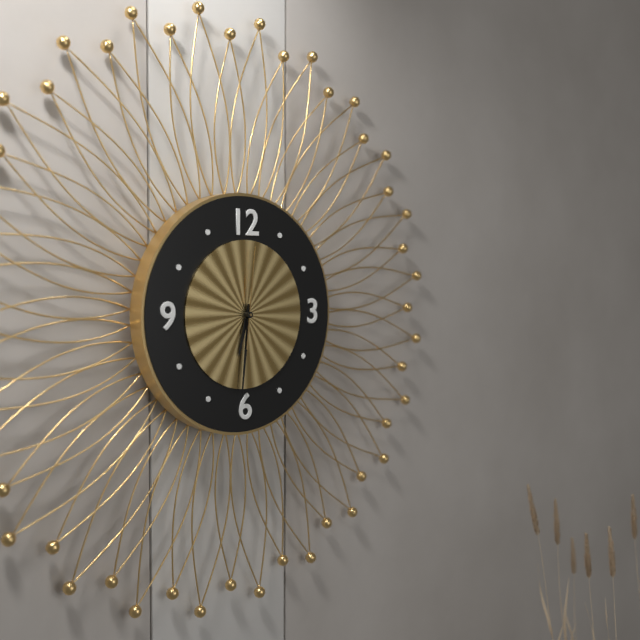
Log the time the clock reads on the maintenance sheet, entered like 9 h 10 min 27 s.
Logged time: 6 h 31 min 01 s
